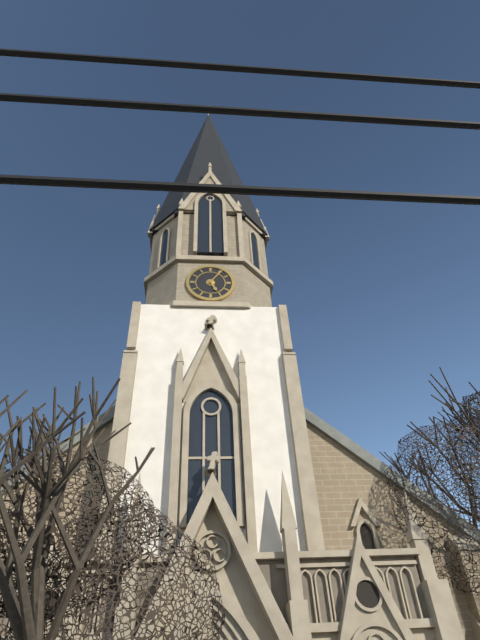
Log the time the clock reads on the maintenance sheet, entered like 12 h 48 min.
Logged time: 5 h 06 min
